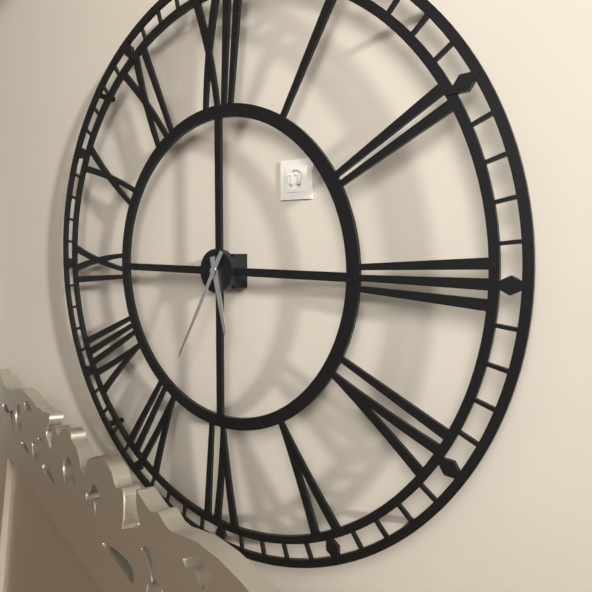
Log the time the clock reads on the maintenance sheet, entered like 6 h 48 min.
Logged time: 5 h 35 min
